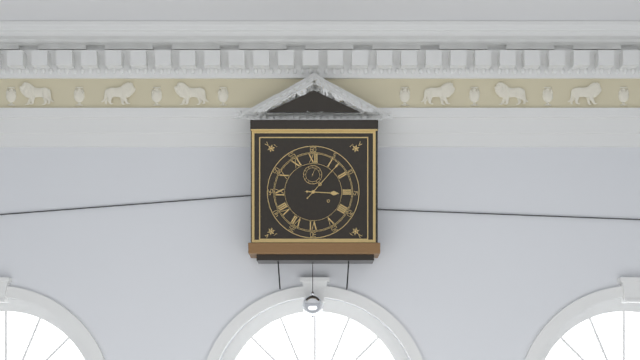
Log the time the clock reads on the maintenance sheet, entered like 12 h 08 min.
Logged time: 3 h 07 min
